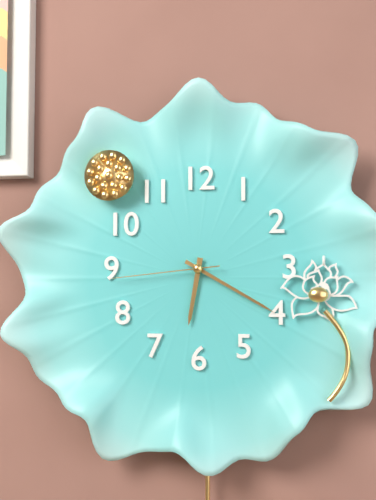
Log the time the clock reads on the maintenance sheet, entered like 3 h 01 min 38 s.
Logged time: 6 h 20 min 44 s
